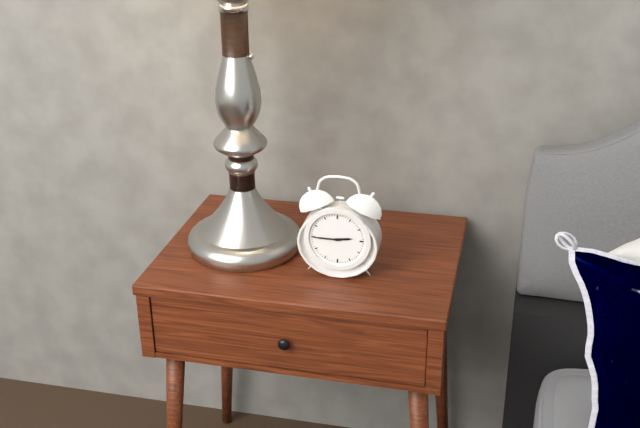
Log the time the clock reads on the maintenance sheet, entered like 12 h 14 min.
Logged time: 2 h 45 min
